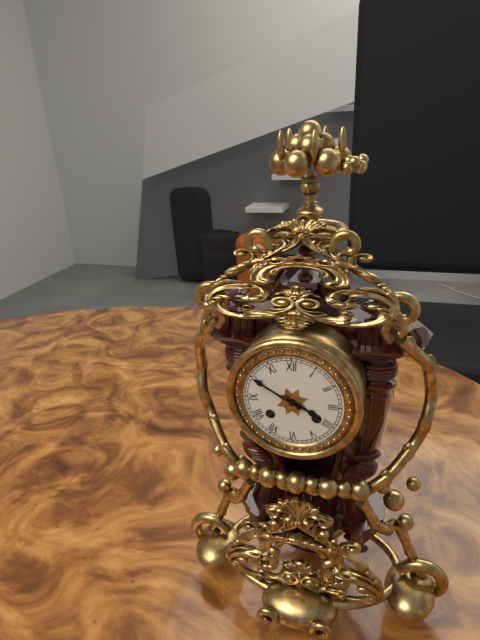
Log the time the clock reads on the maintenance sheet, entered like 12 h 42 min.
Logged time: 3 h 50 min
